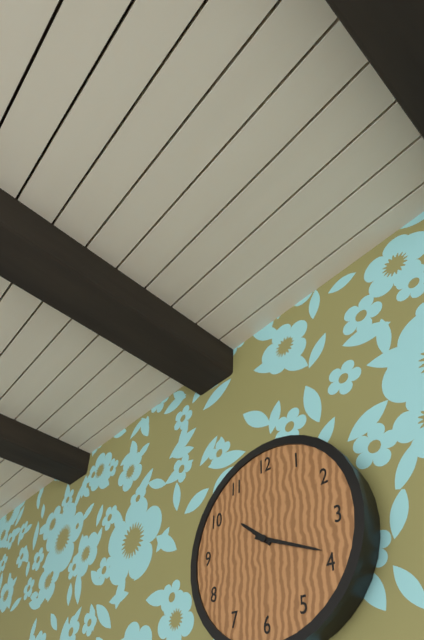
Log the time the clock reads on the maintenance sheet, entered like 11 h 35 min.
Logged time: 10 h 19 min
